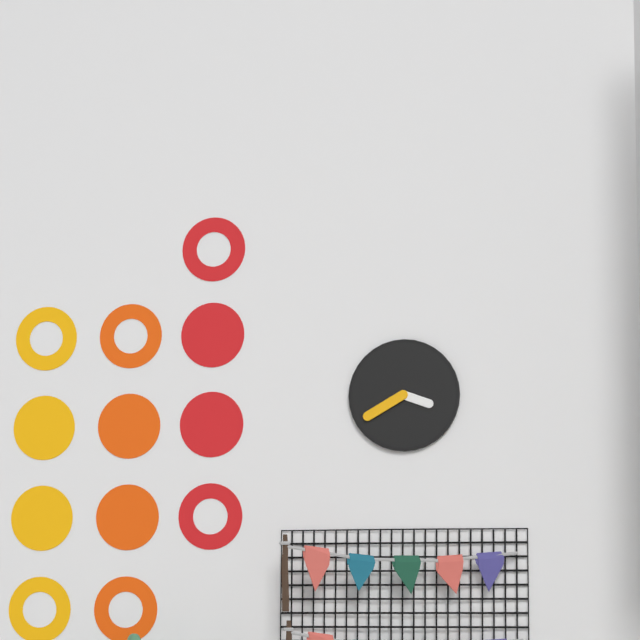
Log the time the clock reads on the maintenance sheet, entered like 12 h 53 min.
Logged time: 3 h 40 min
